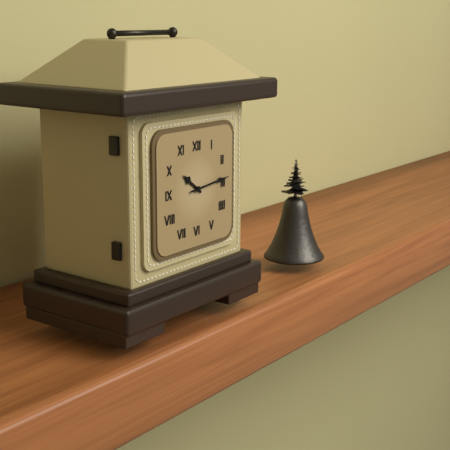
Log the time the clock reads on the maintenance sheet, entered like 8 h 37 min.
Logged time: 10 h 14 min
